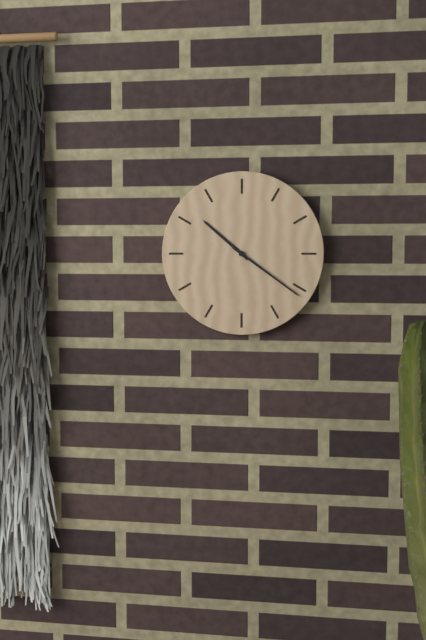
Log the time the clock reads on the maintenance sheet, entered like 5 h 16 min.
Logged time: 10 h 21 min
